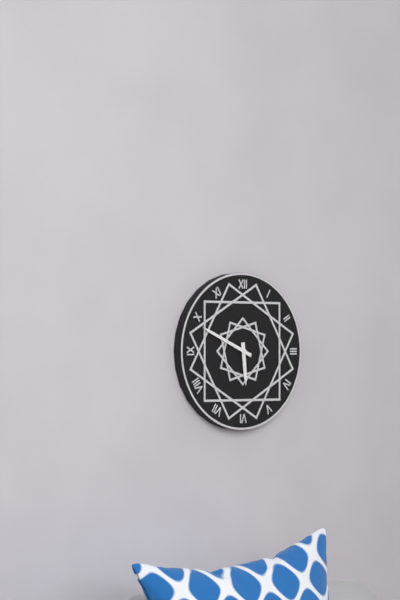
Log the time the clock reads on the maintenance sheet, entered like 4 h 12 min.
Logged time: 5 h 49 min
